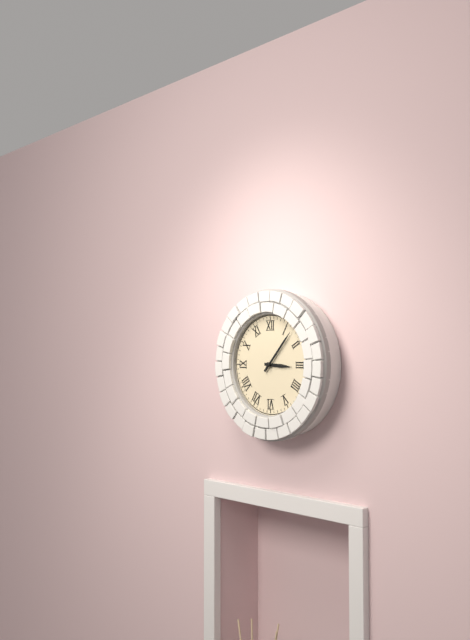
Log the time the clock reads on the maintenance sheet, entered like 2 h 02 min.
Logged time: 3 h 07 min
